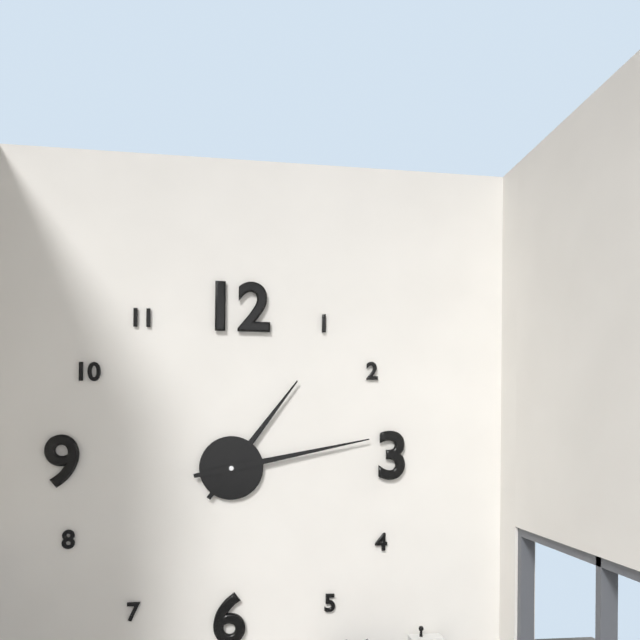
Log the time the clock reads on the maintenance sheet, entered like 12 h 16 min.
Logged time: 1 h 13 min
